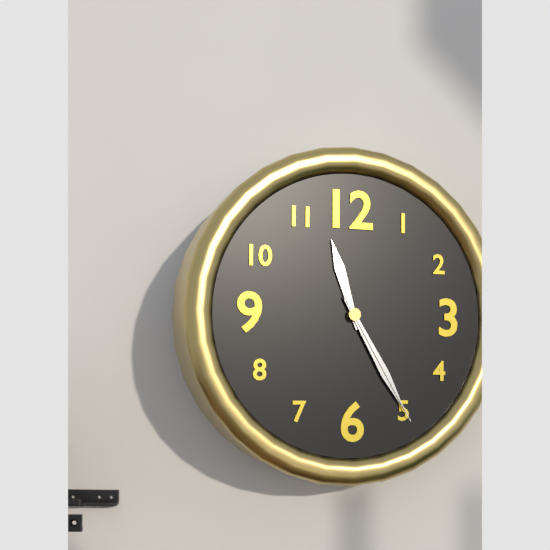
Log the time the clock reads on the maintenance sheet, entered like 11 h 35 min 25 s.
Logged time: 11 h 25 min 25 s
